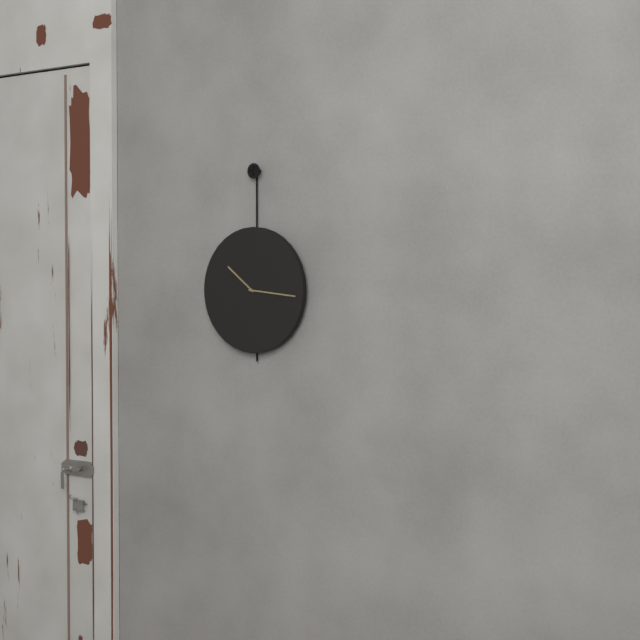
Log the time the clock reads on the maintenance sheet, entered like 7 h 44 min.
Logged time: 10 h 16 min
